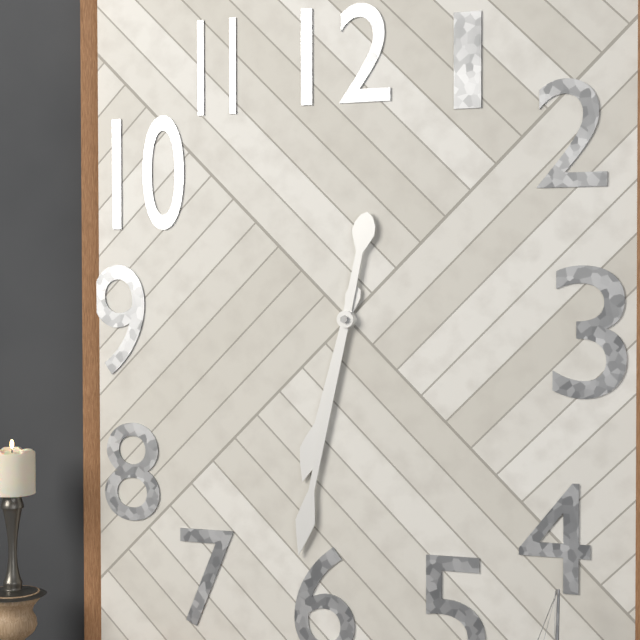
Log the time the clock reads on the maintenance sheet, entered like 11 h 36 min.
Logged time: 6 h 32 min
